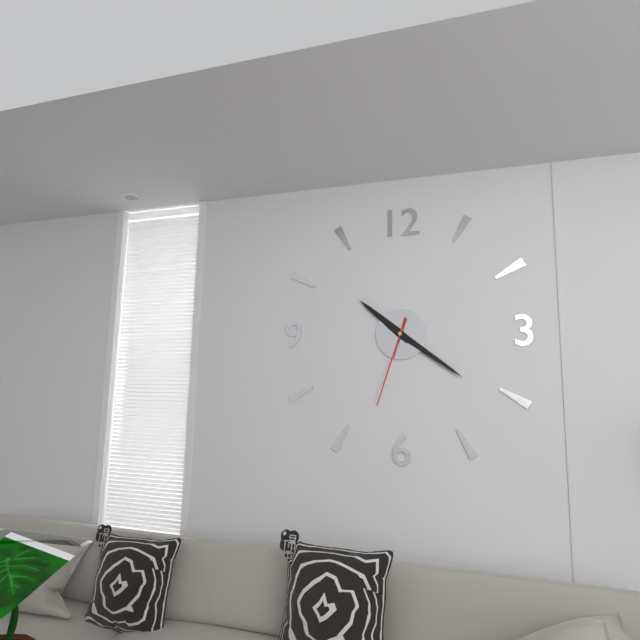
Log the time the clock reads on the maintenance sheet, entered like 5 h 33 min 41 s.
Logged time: 10 h 21 min 33 s
